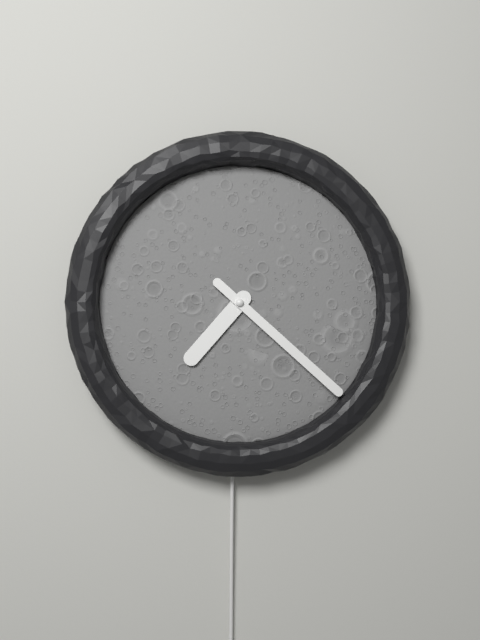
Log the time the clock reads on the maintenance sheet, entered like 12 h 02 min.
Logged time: 7 h 22 min
